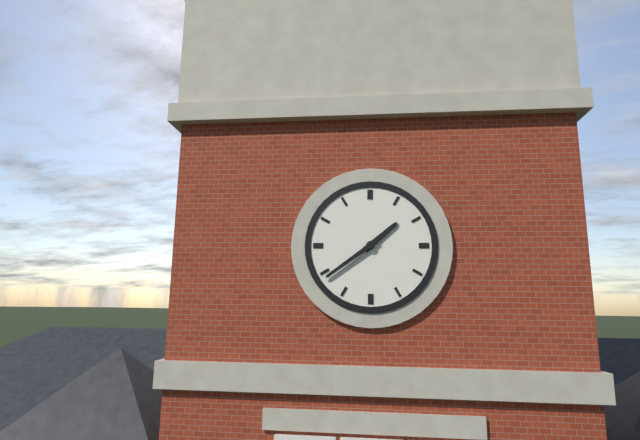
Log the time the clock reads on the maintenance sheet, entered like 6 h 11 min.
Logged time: 1 h 39 min
